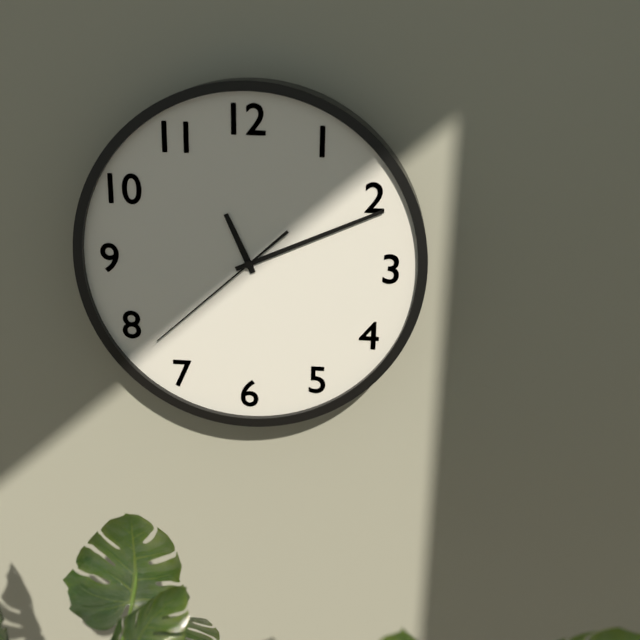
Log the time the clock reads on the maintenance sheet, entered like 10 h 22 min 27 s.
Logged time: 11 h 11 min 38 s
